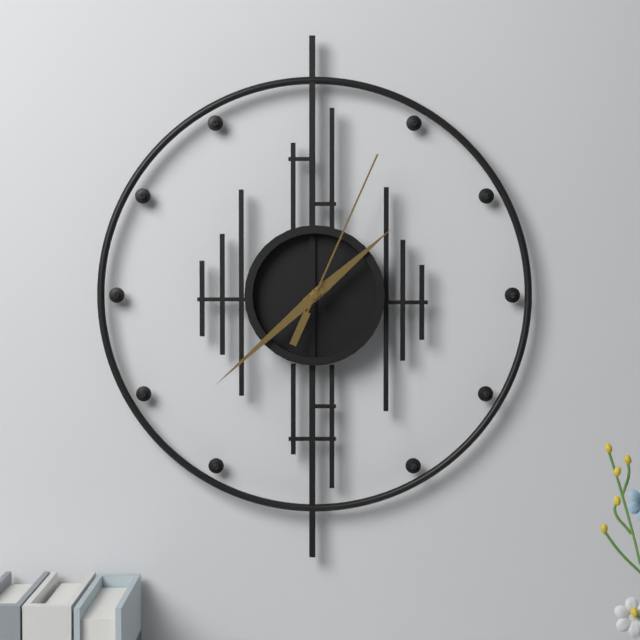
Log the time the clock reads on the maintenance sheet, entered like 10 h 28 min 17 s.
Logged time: 1 h 38 min 04 s
